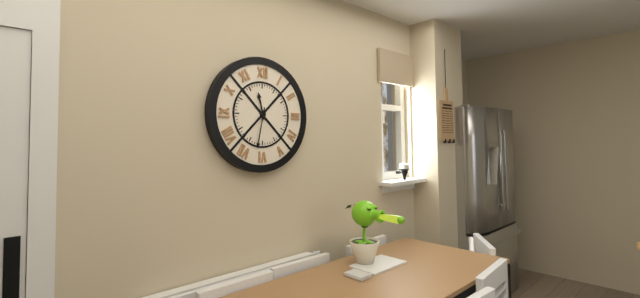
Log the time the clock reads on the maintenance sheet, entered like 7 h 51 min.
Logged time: 11 h 32 min
